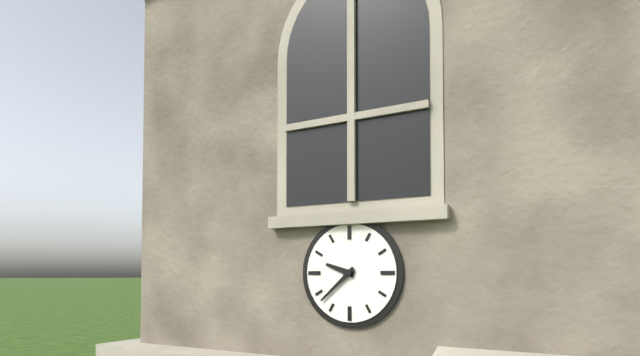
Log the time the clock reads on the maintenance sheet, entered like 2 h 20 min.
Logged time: 9 h 38 min
